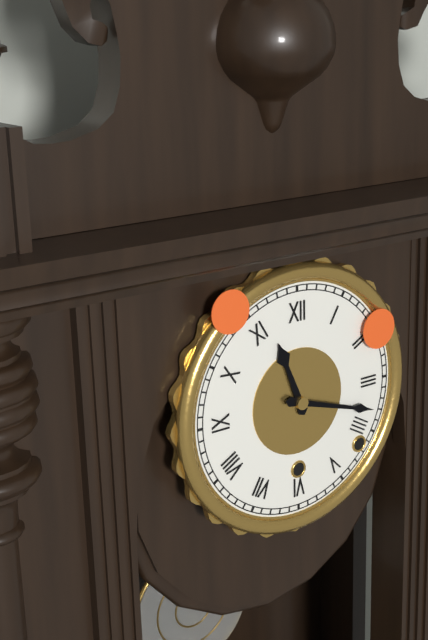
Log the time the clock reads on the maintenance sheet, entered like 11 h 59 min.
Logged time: 11 h 18 min
